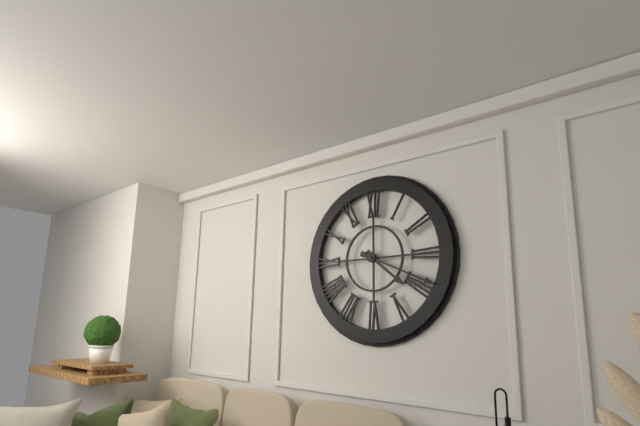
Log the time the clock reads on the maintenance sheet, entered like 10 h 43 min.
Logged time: 4 h 19 min
